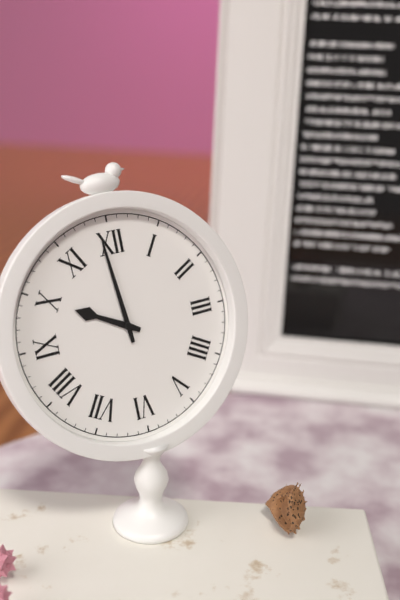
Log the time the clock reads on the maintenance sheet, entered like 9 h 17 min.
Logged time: 9 h 59 min
